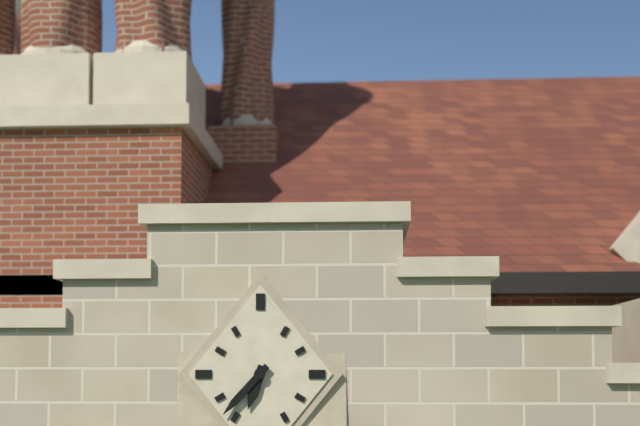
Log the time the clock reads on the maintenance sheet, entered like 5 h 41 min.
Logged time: 6 h 37 min
